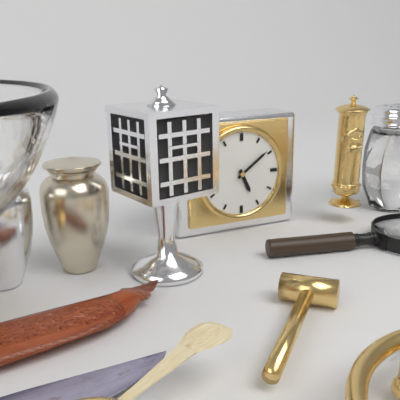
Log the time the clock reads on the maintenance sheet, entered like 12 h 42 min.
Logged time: 5 h 09 min
